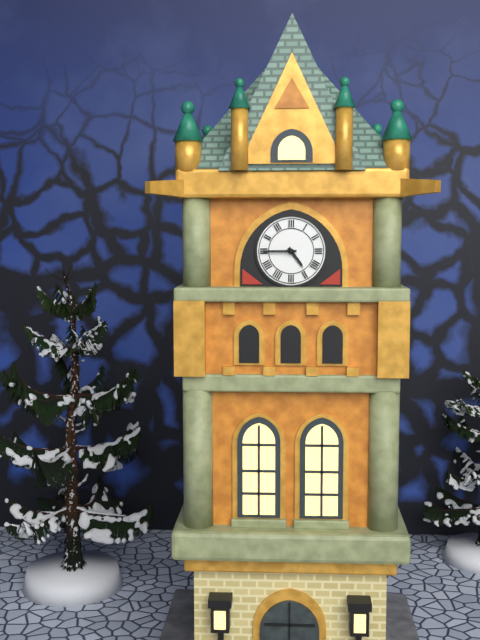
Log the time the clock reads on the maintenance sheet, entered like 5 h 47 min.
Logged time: 4 h 45 min
